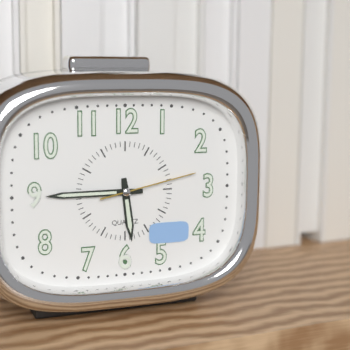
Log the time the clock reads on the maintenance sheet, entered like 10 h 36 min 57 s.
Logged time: 5 h 45 min 13 s
